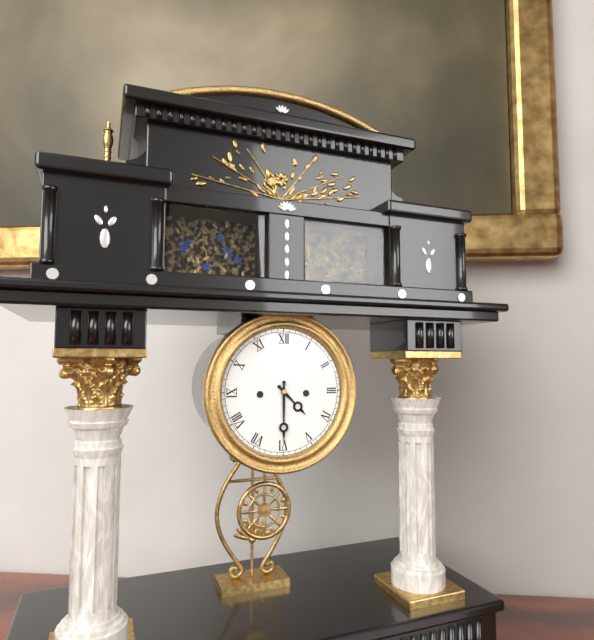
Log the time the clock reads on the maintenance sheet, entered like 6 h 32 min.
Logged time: 4 h 30 min
